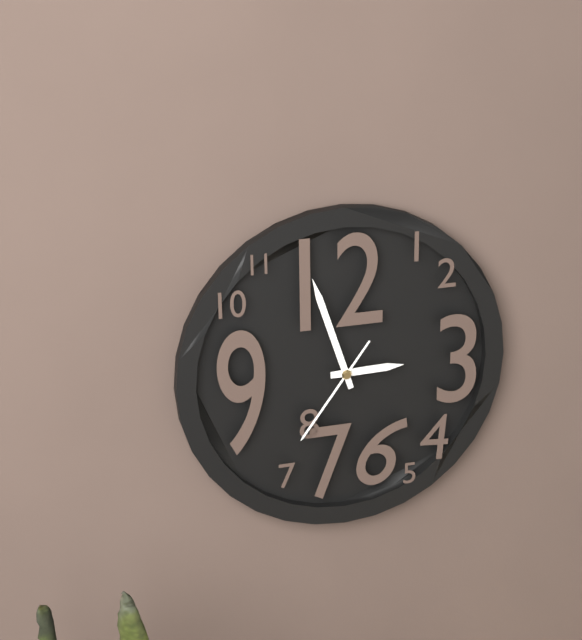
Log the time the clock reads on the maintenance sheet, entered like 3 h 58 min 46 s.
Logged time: 2 h 57 min 36 s
